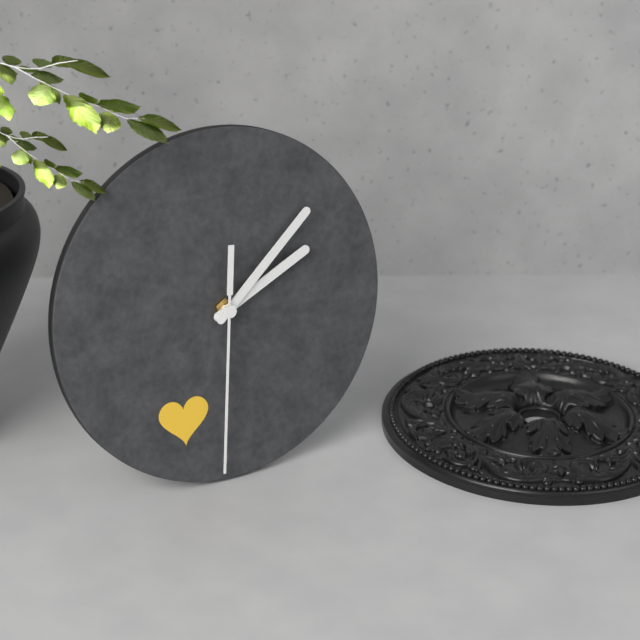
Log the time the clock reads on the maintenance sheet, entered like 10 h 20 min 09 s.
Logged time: 2 h 08 min 31 s
